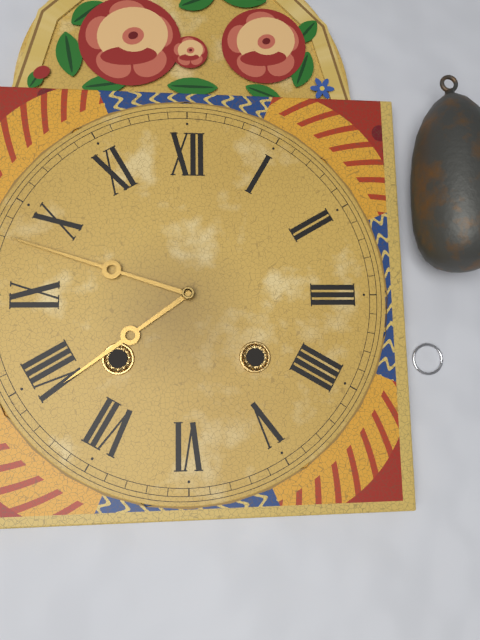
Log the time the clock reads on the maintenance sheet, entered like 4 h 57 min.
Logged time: 7 h 48 min
